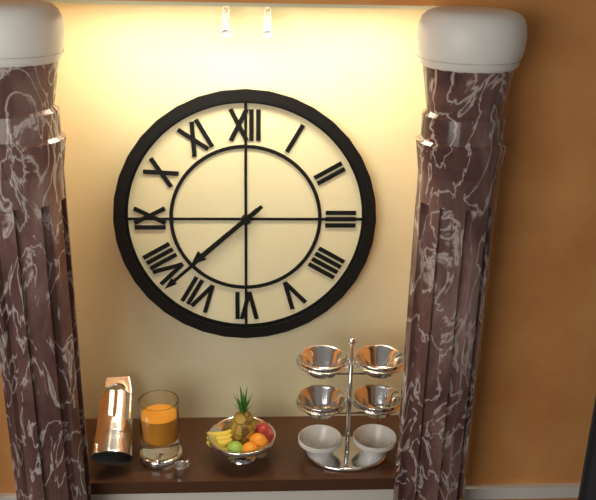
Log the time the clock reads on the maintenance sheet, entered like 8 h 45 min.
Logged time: 7 h 38 min
